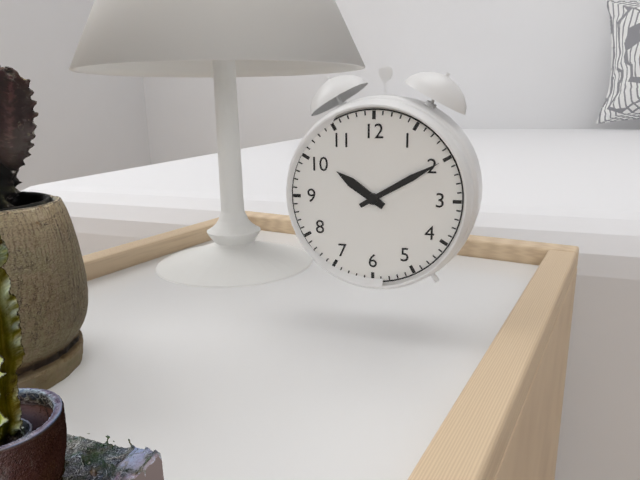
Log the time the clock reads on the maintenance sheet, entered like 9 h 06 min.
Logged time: 10 h 10 min
